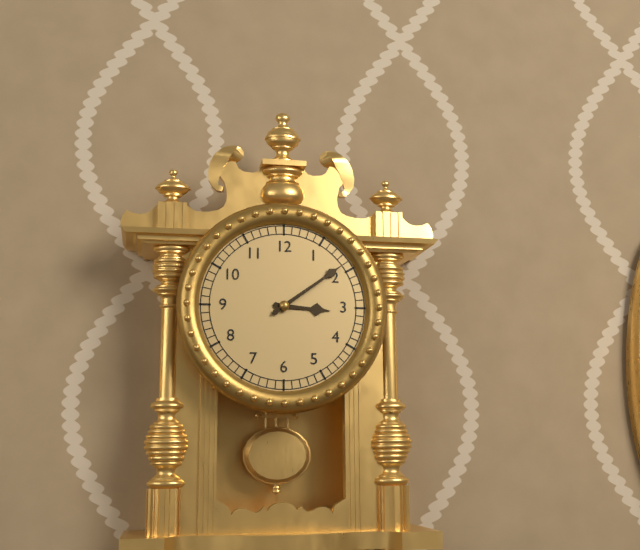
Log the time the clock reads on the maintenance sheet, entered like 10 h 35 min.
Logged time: 3 h 09 min
